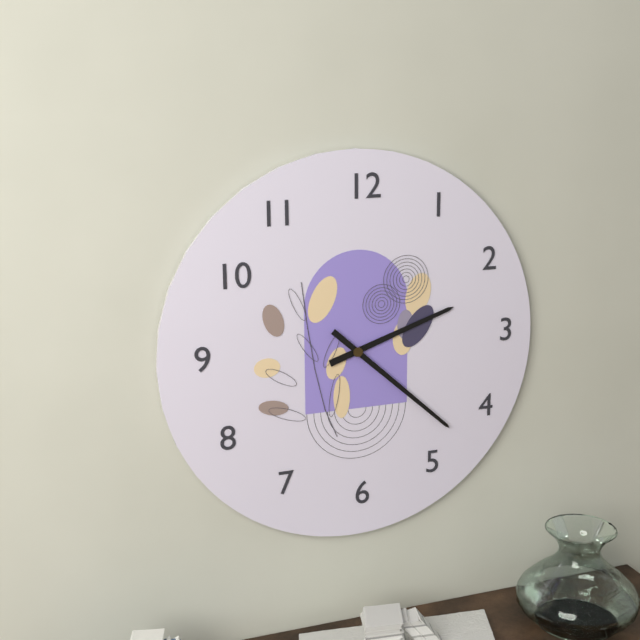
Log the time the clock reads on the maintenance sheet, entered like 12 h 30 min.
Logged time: 2 h 22 min
